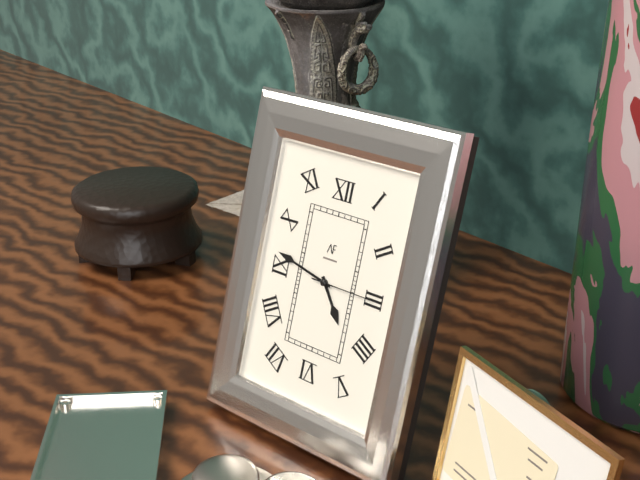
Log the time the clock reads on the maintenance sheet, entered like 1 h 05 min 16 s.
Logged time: 4 h 47 min 15 s
